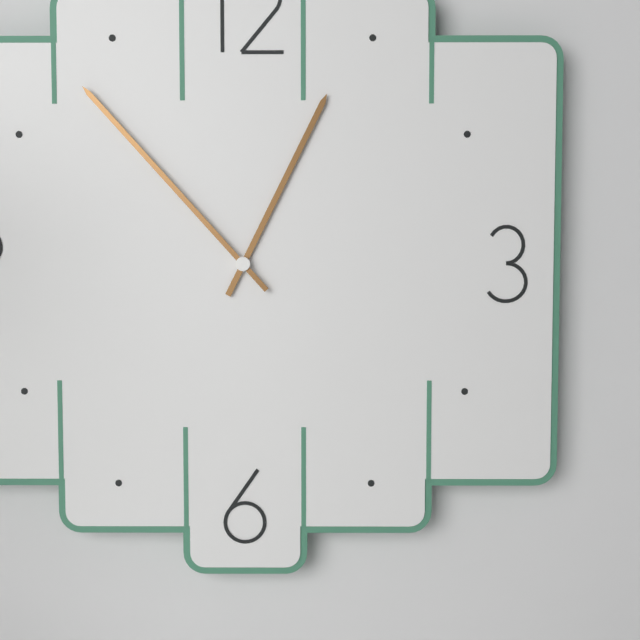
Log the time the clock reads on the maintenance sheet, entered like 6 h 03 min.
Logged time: 12 h 53 min
